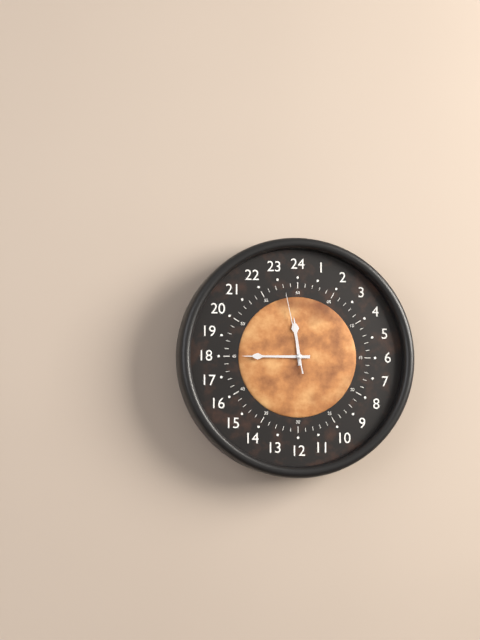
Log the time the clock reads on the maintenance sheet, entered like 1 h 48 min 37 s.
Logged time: 11 h 45 min 58 s
